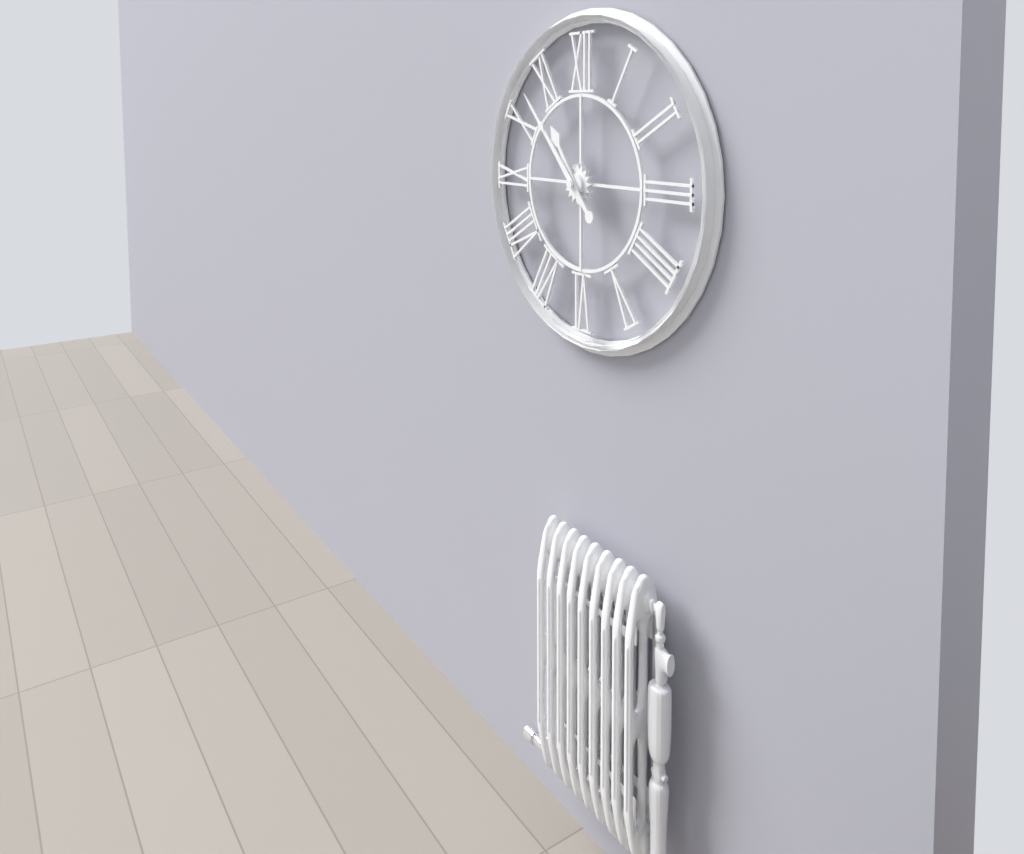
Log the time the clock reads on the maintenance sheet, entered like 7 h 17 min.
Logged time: 10 h 53 min
